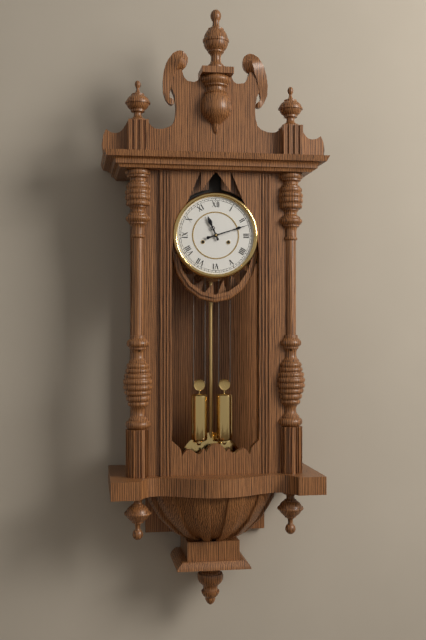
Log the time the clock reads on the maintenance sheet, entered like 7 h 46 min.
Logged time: 11 h 12 min
